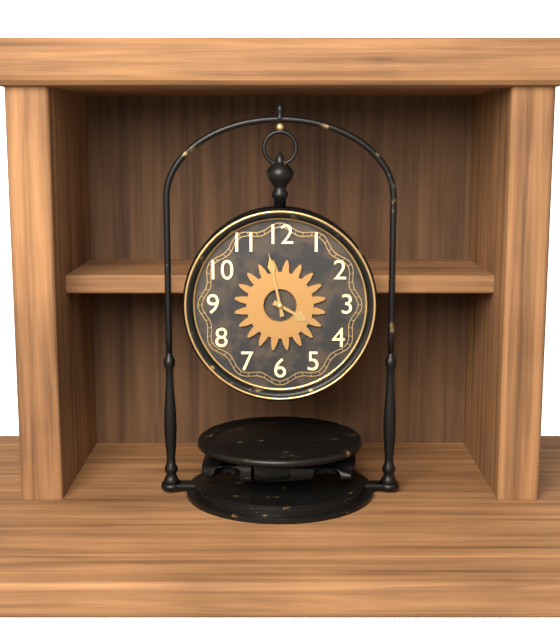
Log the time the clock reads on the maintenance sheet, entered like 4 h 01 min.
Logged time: 3 h 58 min
